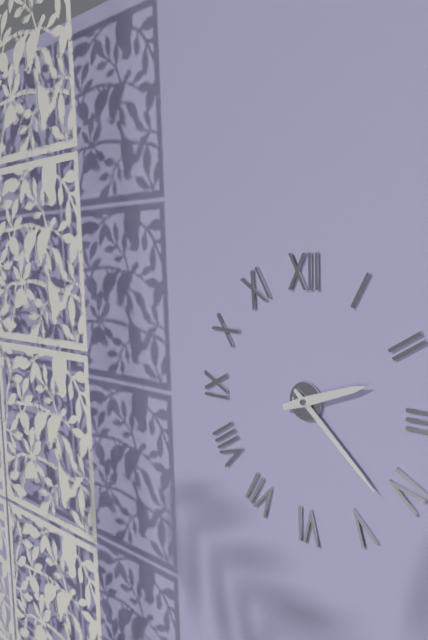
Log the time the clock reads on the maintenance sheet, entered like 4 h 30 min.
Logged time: 2 h 22 min
